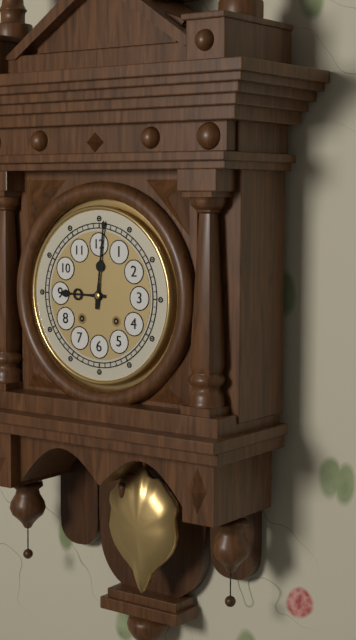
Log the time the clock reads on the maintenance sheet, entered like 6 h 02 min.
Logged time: 9 h 01 min
